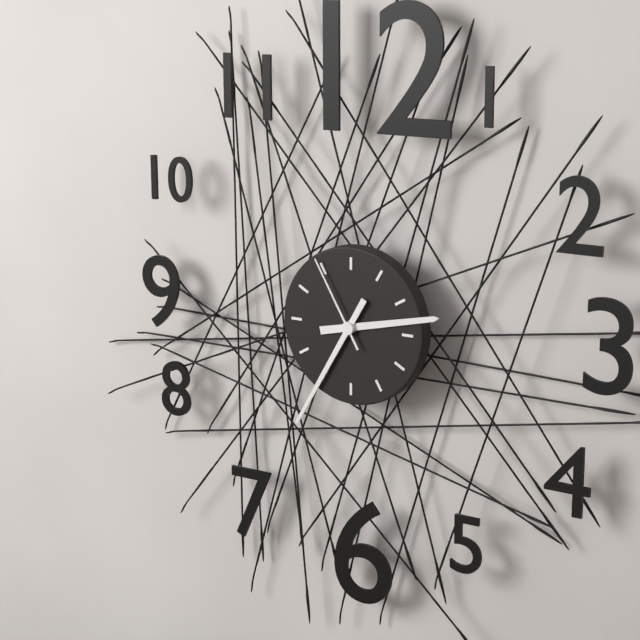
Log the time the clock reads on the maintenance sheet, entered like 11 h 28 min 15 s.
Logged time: 2 h 35 min 55 s
